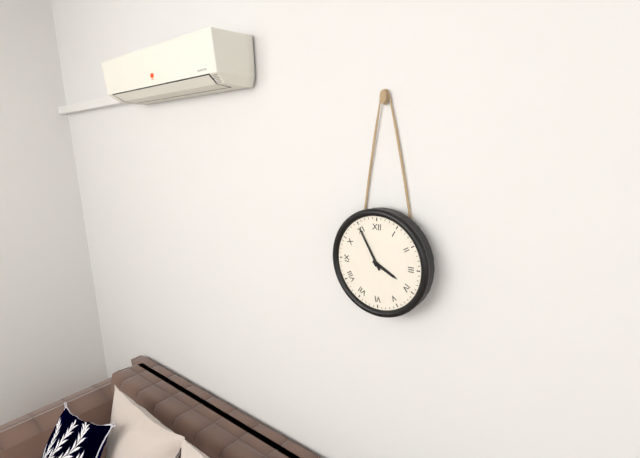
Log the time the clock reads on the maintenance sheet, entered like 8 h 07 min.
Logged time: 3 h 55 min
